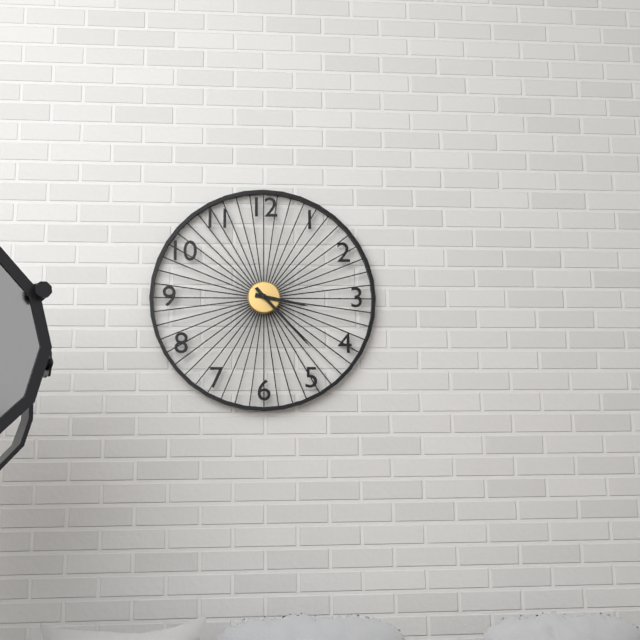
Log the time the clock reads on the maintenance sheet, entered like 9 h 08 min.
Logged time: 3 h 23 min
